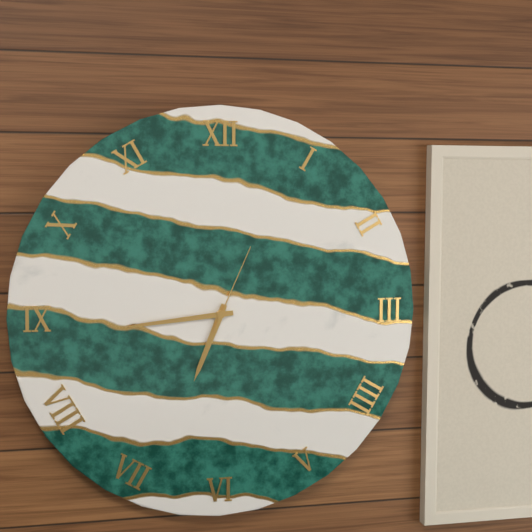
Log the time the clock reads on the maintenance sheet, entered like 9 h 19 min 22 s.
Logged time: 6 h 44 min 04 s
